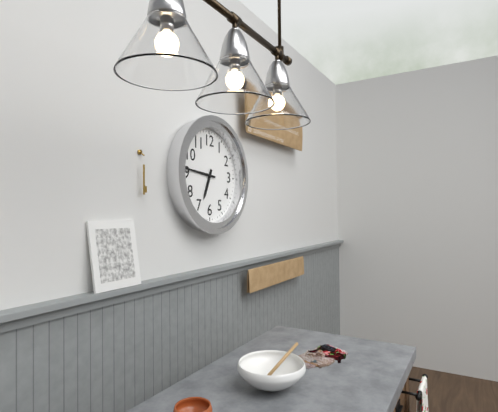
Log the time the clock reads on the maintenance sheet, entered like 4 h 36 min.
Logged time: 6 h 46 min
